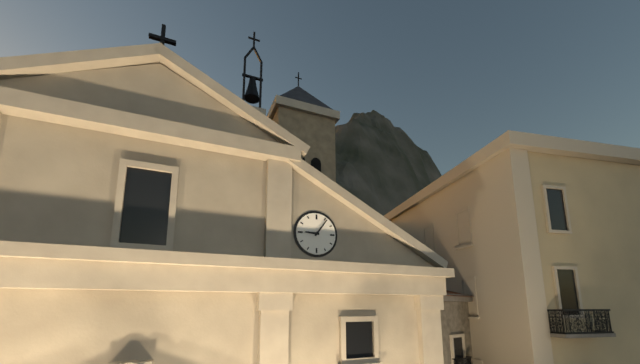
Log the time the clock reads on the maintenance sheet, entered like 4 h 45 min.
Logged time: 9 h 06 min
